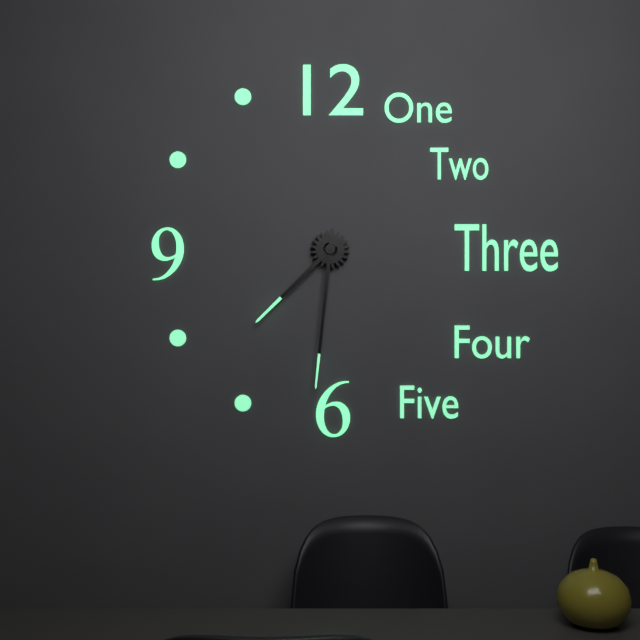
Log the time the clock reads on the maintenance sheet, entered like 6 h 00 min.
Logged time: 7 h 31 min
